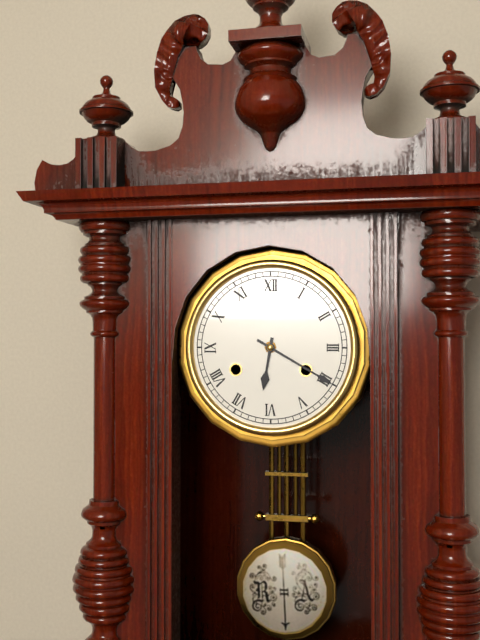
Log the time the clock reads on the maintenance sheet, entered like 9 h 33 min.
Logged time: 6 h 20 min
